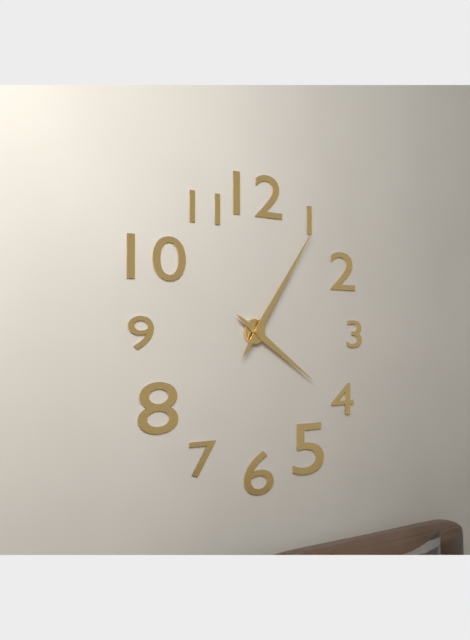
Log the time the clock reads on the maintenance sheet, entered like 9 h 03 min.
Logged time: 4 h 06 min
